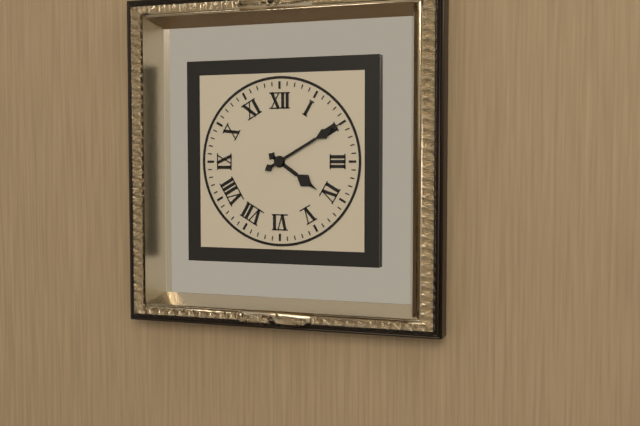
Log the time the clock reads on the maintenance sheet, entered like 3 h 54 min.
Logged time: 4 h 10 min
